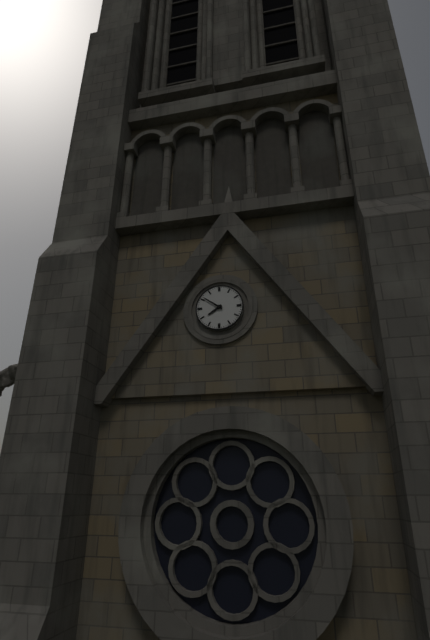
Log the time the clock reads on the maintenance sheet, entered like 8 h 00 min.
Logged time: 7 h 51 min
